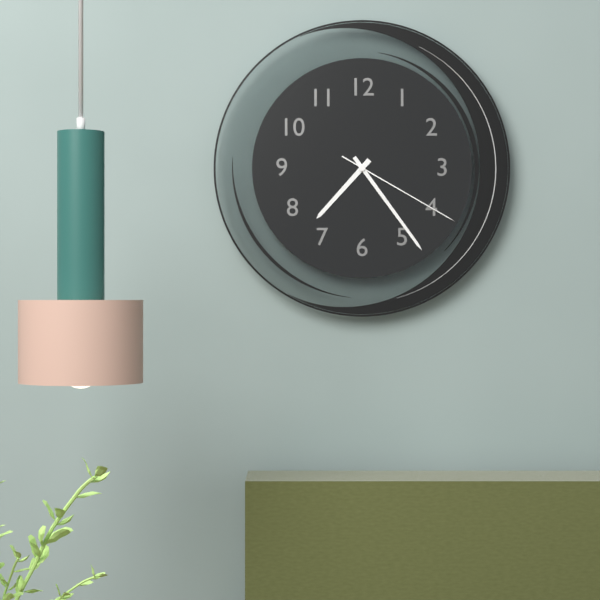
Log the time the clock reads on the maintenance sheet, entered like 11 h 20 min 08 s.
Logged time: 7 h 24 min 20 s
